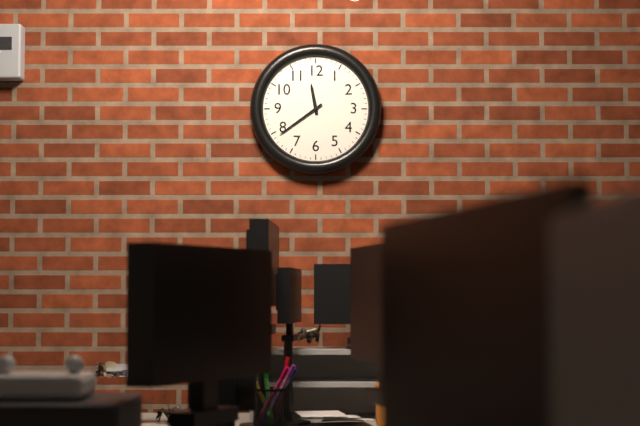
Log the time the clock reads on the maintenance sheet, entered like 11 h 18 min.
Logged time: 11 h 39 min
